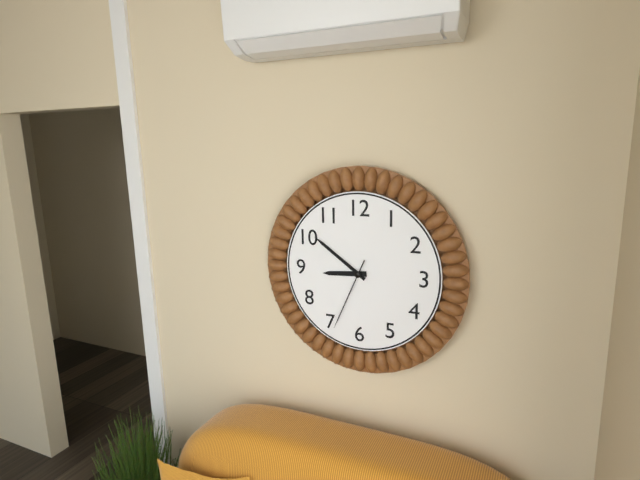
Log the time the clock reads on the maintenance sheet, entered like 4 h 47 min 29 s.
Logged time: 8 h 51 min 34 s
